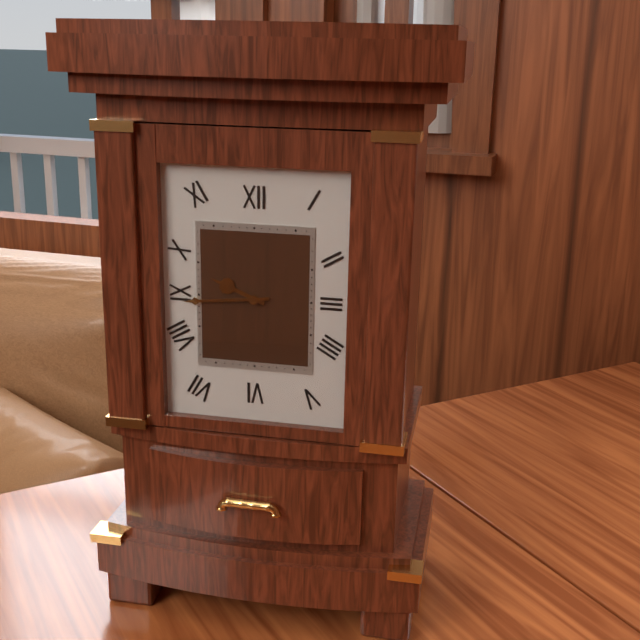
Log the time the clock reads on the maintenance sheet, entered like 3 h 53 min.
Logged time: 9 h 44 min
